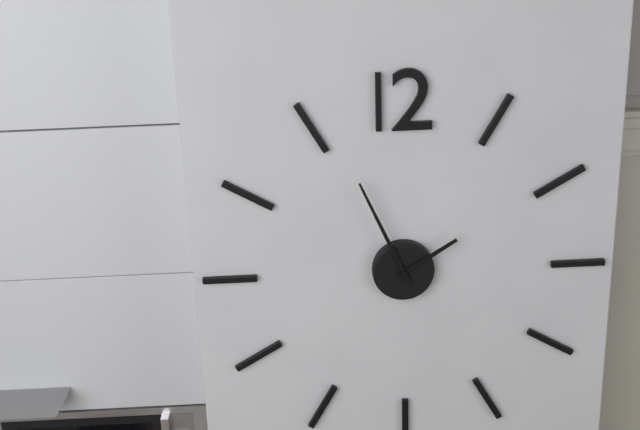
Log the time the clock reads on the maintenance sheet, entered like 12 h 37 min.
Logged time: 1 h 56 min
